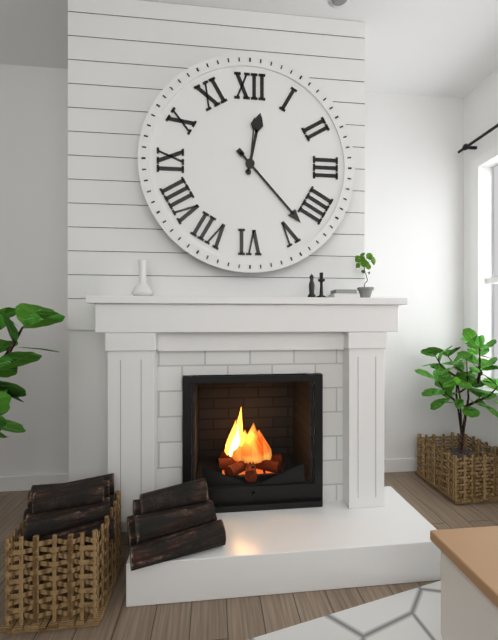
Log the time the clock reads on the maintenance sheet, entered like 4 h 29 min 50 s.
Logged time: 12 h 23 min 01 s
